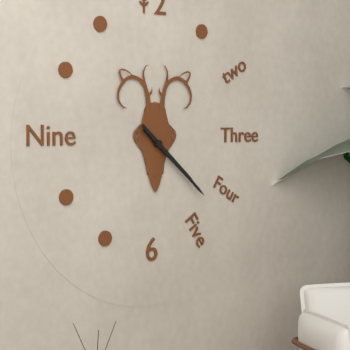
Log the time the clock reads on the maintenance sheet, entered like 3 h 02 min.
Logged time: 4 h 22 min
